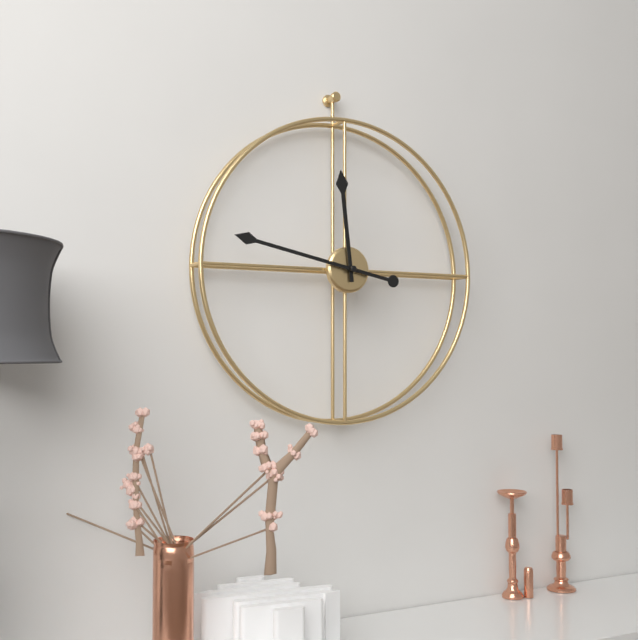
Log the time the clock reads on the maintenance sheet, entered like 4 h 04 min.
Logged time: 11 h 47 min
